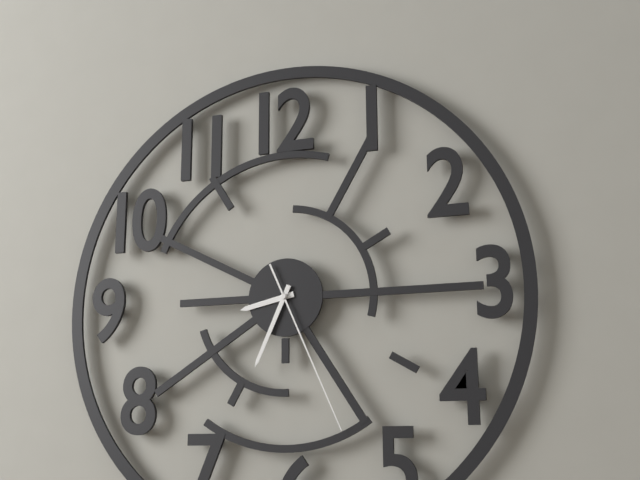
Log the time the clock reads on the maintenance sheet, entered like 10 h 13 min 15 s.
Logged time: 8 h 34 min 26 s
